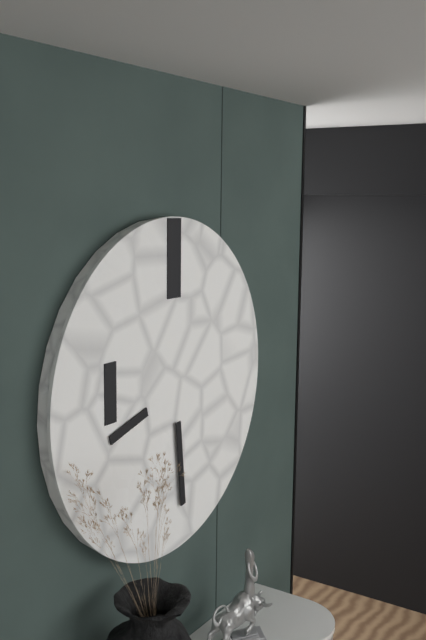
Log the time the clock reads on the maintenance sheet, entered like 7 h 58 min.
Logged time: 8 h 29 min
